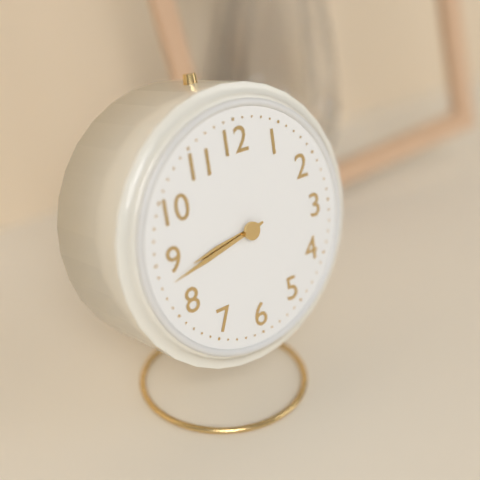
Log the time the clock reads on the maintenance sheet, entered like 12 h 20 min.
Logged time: 8 h 43 min
